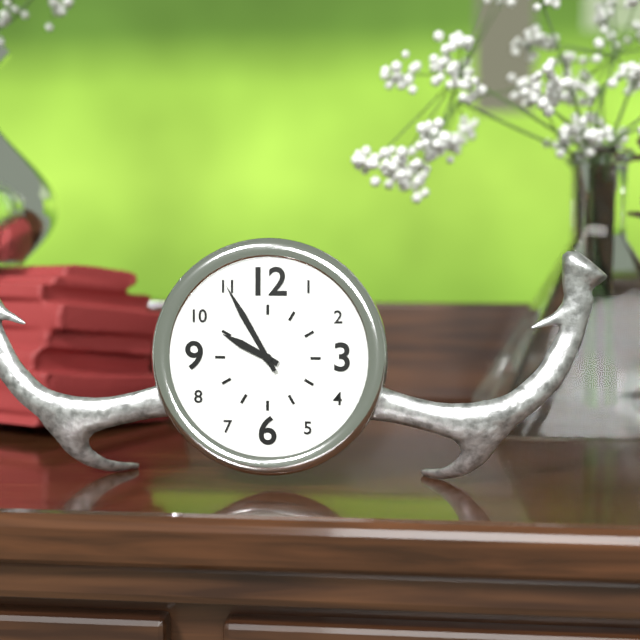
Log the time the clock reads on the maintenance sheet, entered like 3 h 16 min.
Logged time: 9 h 55 min
